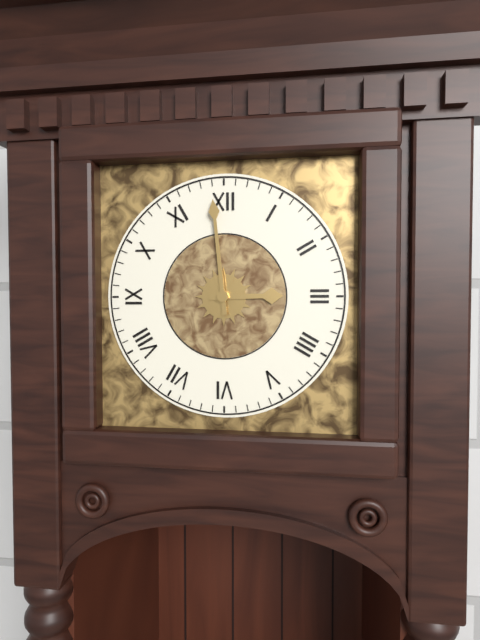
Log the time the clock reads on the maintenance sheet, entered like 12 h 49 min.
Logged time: 2 h 59 min
